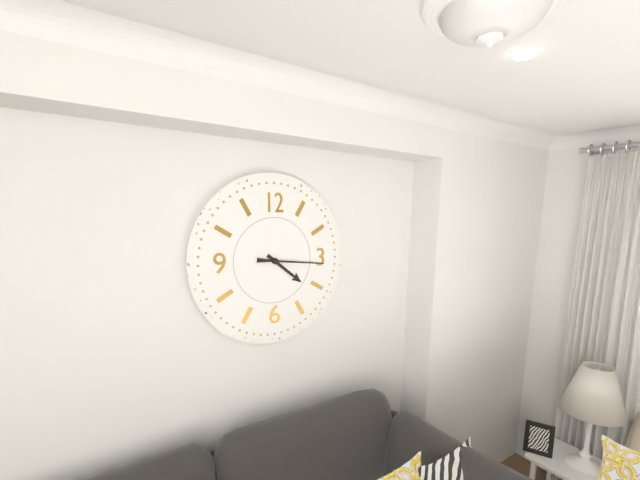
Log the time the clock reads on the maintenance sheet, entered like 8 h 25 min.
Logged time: 4 h 16 min
